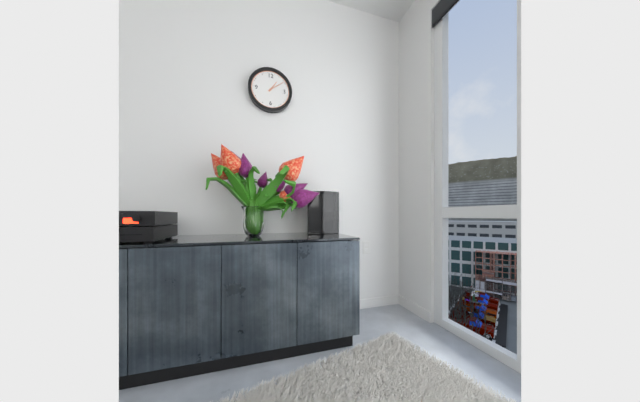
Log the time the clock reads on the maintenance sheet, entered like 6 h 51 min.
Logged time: 1 h 09 min
